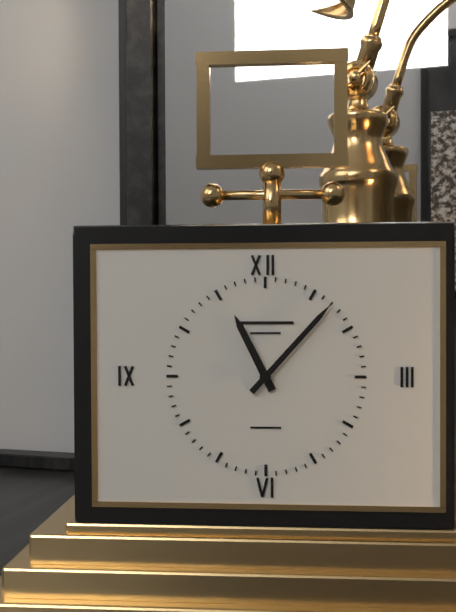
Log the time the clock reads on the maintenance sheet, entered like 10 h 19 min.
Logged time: 11 h 07 min
